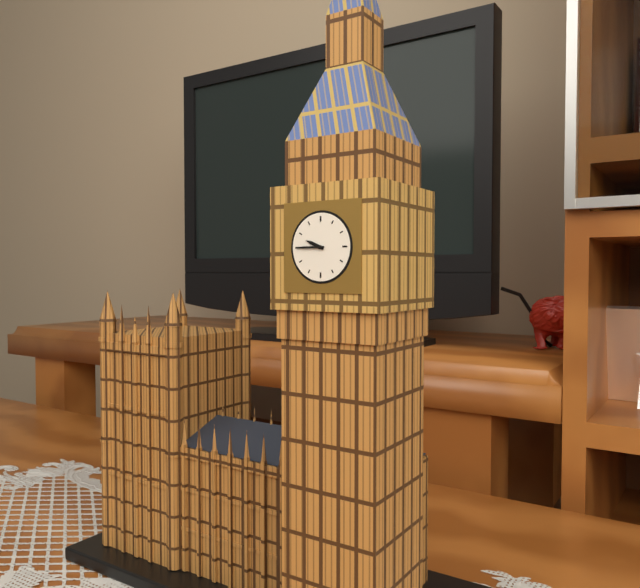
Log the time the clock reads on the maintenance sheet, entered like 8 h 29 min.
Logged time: 9 h 45 min
